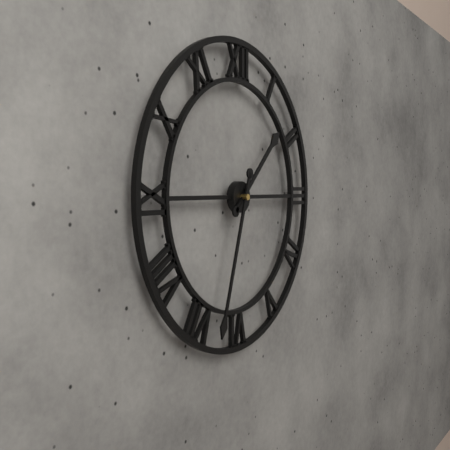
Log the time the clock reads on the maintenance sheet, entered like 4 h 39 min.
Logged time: 1 h 33 min
